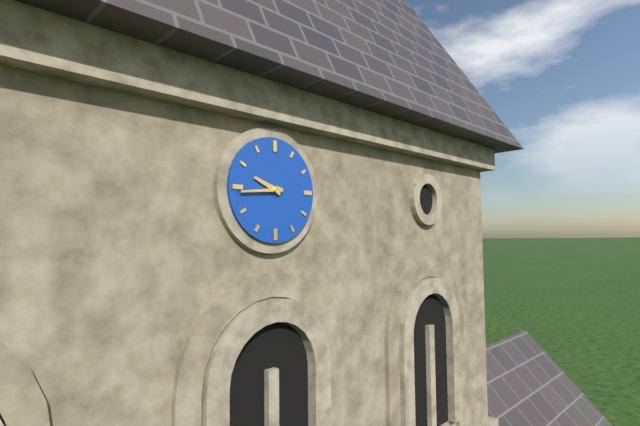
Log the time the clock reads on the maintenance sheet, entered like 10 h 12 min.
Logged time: 9 h 44 min
